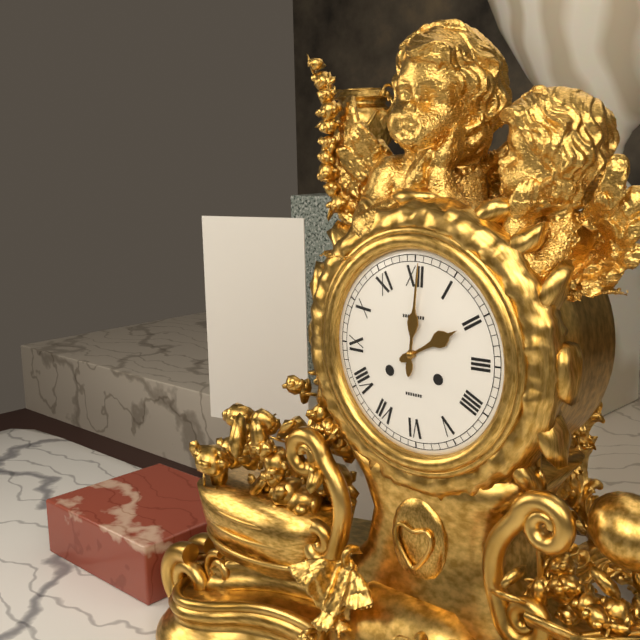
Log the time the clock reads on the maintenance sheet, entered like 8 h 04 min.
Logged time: 2 h 01 min
